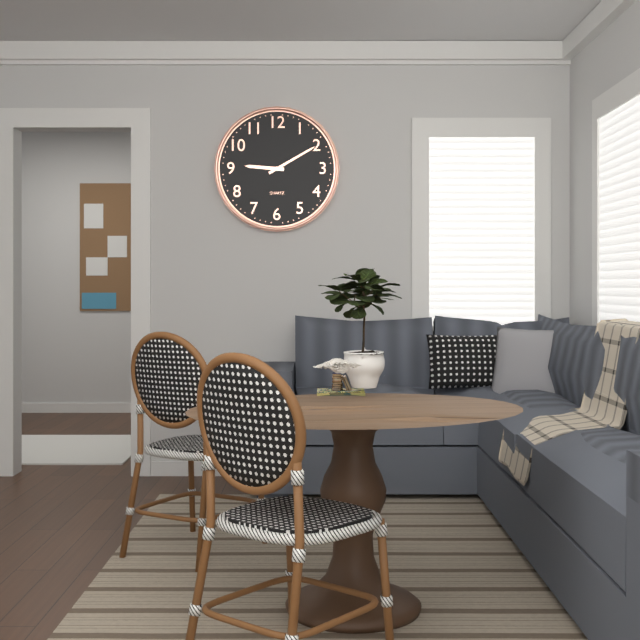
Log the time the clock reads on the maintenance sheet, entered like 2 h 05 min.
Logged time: 9 h 10 min
